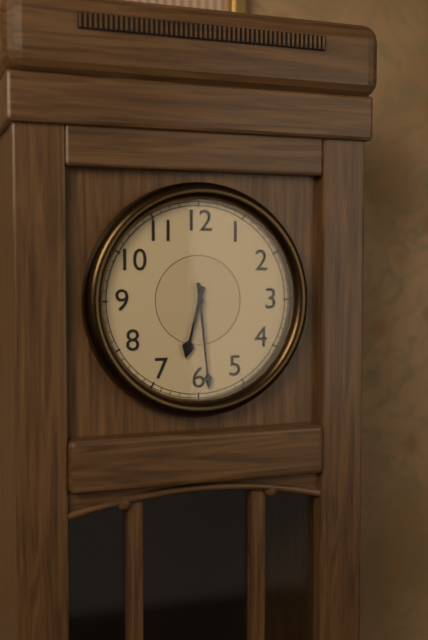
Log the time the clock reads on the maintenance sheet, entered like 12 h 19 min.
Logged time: 6 h 29 min
